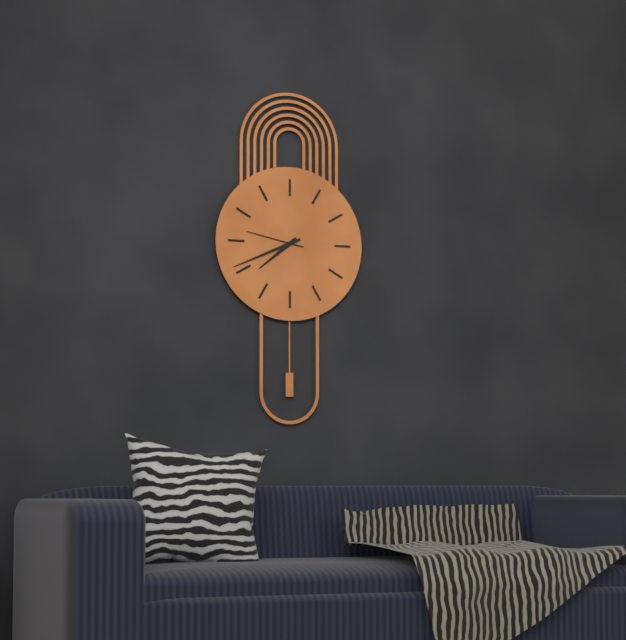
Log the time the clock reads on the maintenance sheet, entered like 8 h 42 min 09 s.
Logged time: 7 h 41 min 47 s
